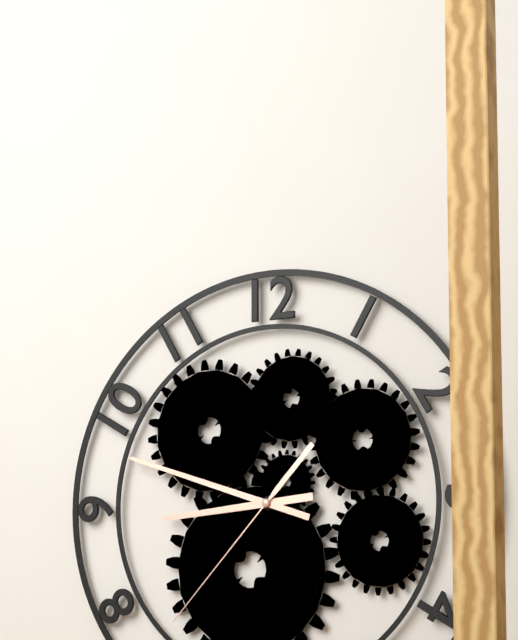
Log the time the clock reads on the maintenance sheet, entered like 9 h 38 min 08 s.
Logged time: 8 h 48 min 37 s
